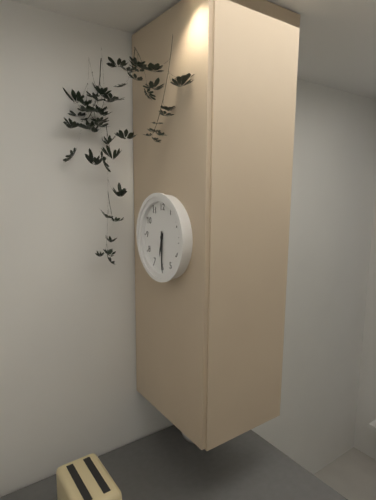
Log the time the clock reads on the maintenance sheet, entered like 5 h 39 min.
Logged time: 6 h 30 min
